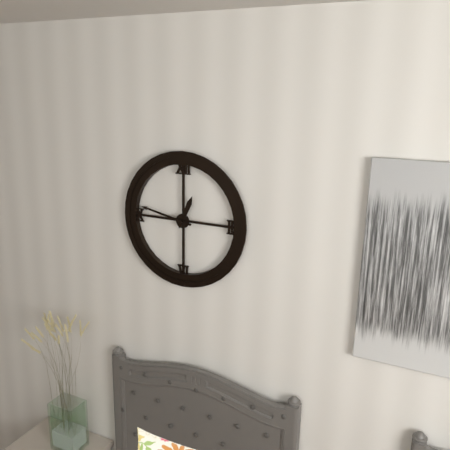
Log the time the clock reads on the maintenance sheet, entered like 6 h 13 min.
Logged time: 12 h 47 min
